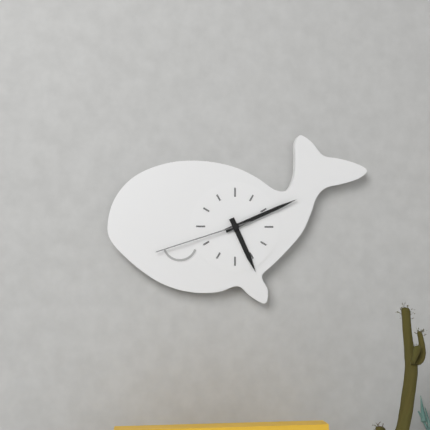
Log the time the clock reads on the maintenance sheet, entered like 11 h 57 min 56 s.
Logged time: 5 h 11 min 42 s
